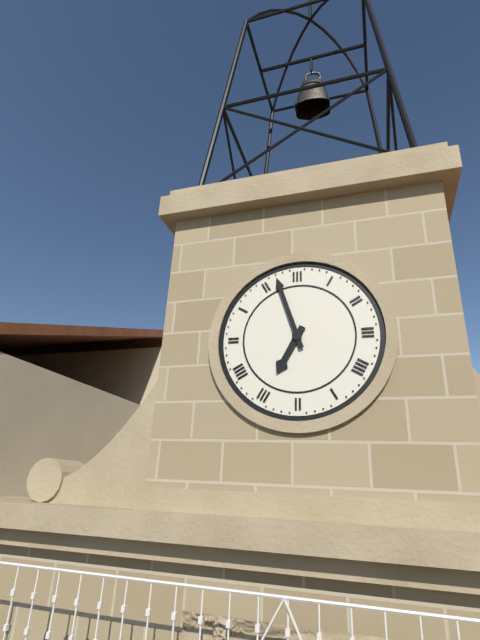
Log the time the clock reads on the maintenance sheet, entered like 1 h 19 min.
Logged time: 6 h 57 min
